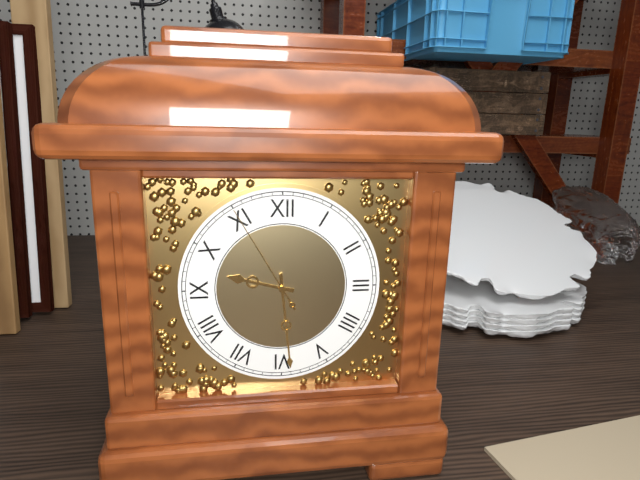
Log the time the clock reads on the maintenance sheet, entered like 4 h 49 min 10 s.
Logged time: 9 h 29 min 55 s
